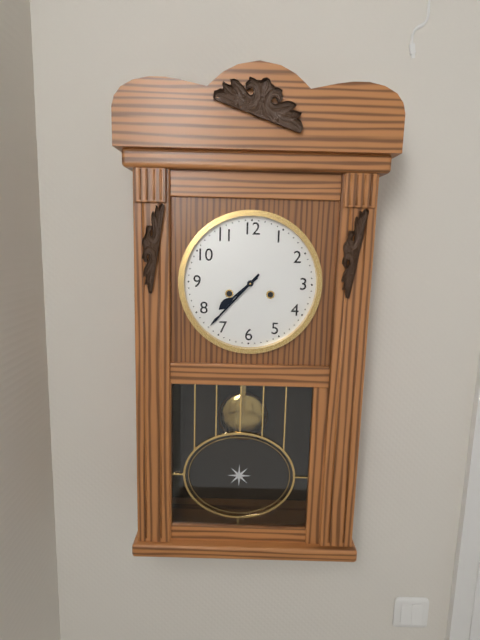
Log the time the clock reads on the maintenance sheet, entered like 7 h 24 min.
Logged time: 7 h 37 min
